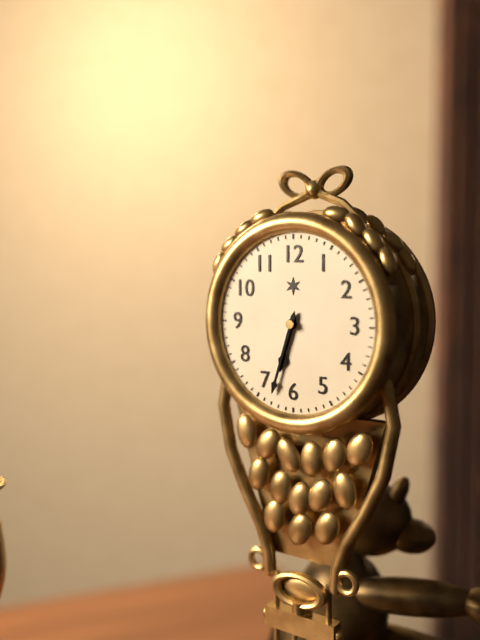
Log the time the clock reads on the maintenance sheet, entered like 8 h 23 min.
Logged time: 6 h 33 min
